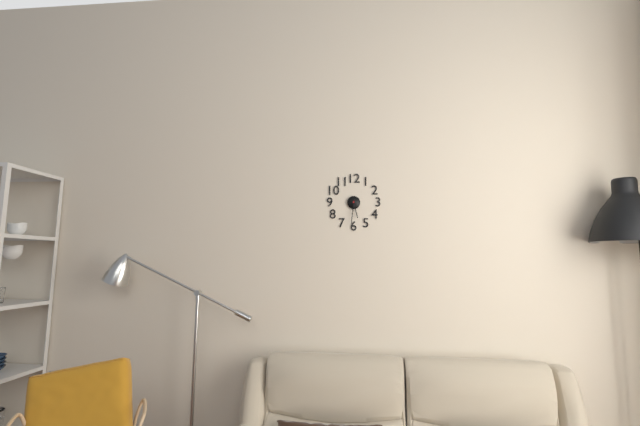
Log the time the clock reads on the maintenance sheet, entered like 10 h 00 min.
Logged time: 5 h 31 min
